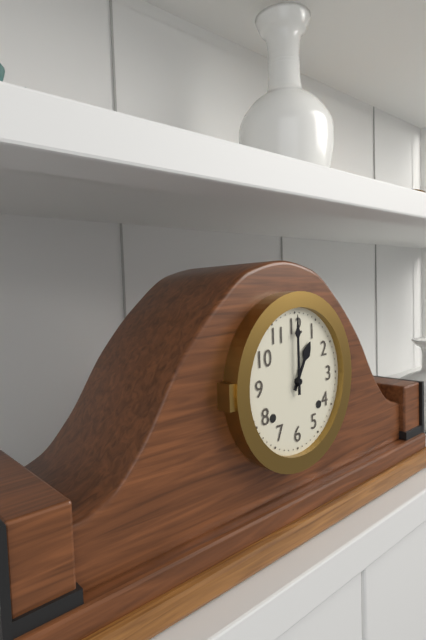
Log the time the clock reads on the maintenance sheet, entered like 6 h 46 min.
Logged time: 1 h 00 min
